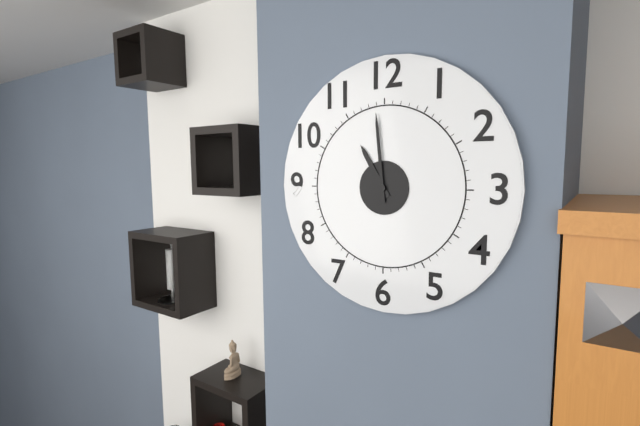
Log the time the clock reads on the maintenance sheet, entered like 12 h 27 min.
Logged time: 10 h 59 min
